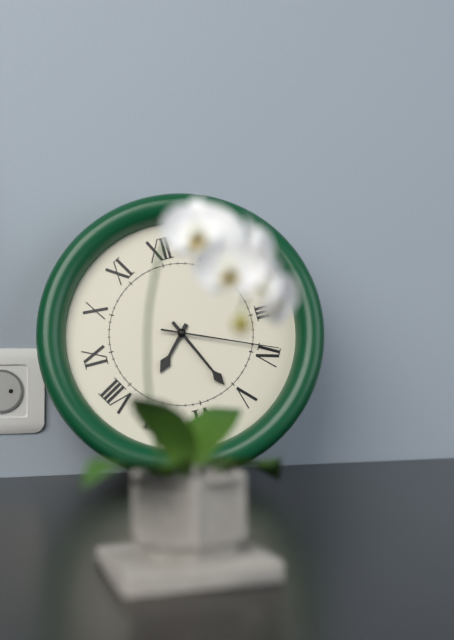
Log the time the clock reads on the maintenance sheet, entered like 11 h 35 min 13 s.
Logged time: 7 h 26 min 19 s
